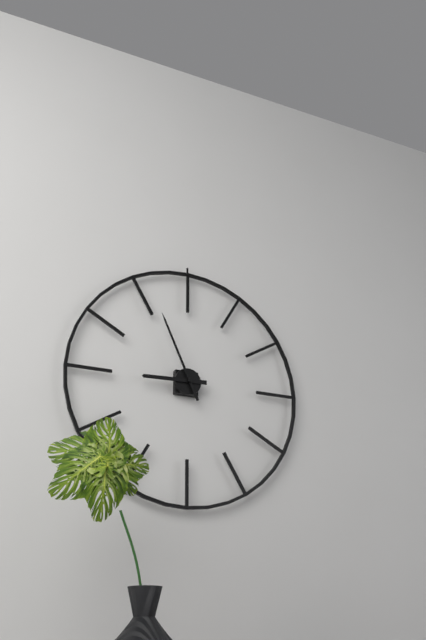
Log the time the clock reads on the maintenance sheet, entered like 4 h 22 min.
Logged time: 8 h 56 min
